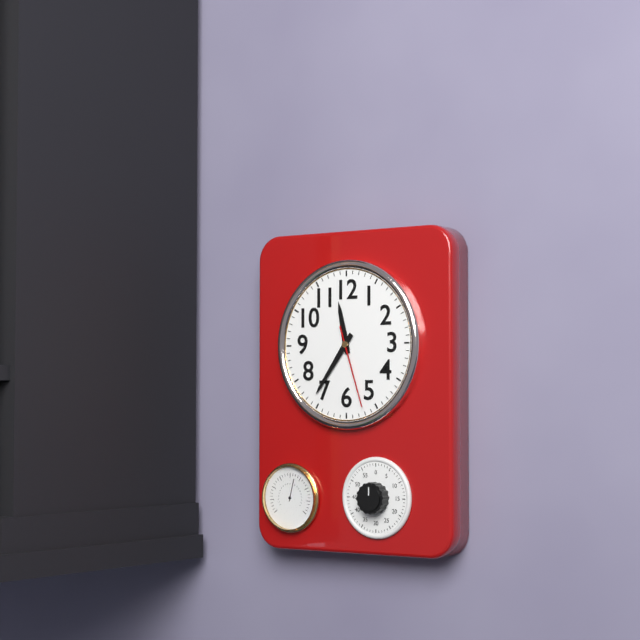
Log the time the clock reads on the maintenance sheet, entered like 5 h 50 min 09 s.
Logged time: 11 h 36 min 27 s
